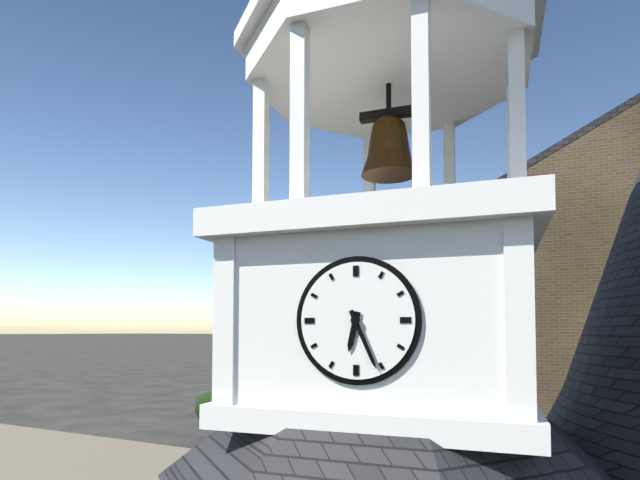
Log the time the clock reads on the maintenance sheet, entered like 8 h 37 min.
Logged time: 6 h 26 min
